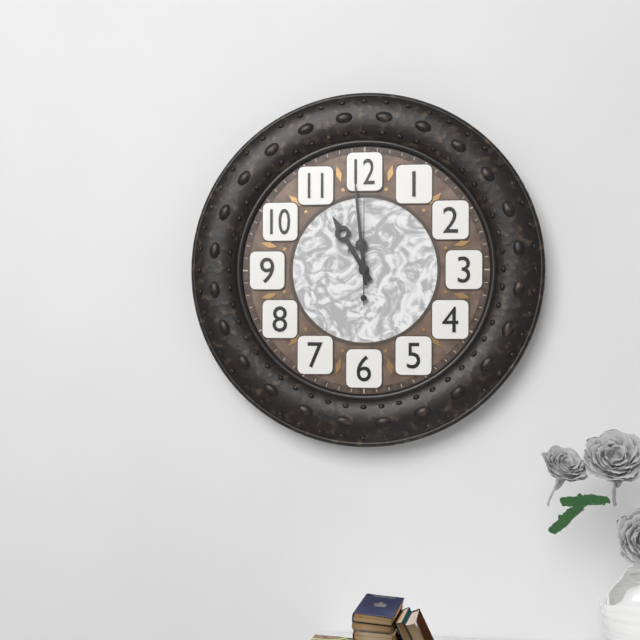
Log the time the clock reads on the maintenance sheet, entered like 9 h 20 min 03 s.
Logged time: 10 h 59 min 00 s
